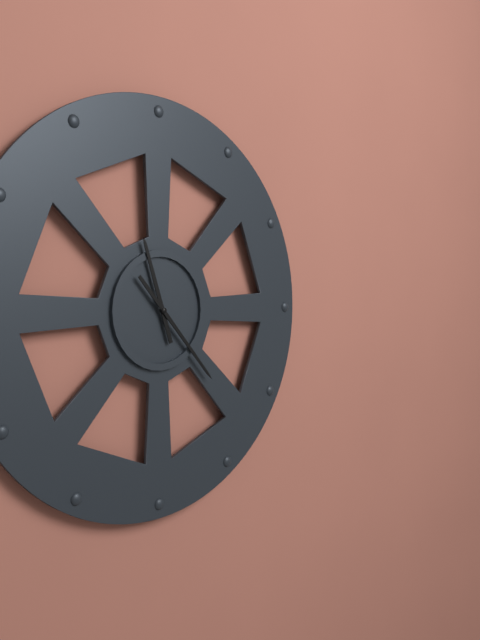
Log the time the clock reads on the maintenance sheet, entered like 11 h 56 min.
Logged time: 11 h 23 min
